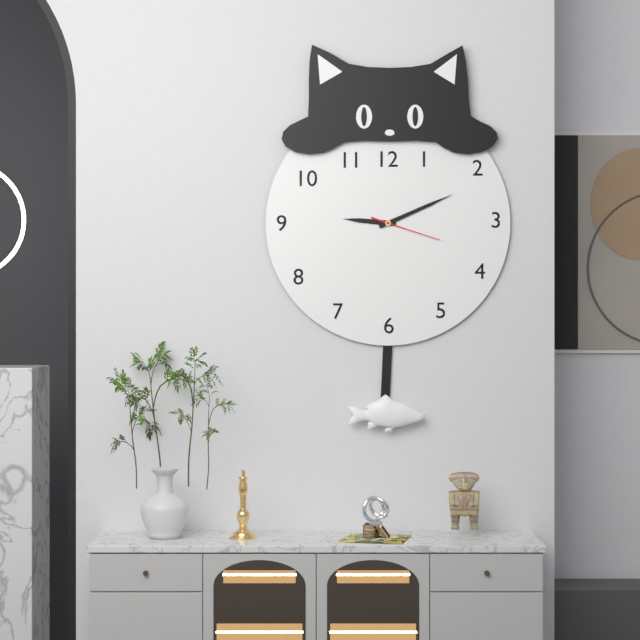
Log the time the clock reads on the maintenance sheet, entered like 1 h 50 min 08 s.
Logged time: 9 h 11 min 18 s
